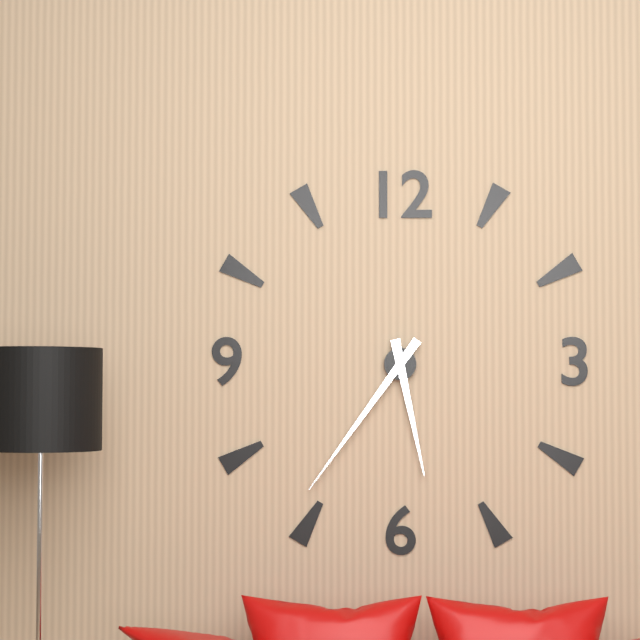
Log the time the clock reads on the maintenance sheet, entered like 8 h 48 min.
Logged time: 5 h 36 min
